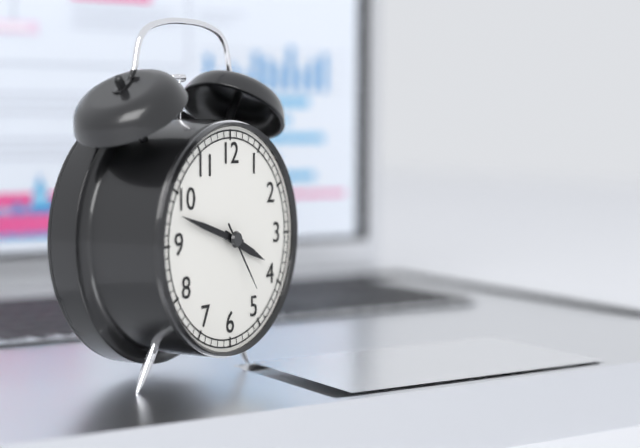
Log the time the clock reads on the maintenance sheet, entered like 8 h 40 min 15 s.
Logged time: 3 h 48 min 24 s
